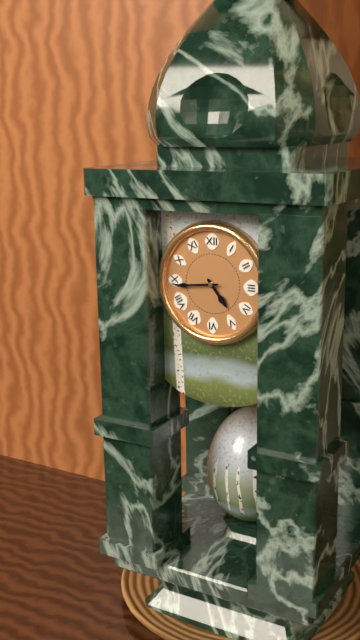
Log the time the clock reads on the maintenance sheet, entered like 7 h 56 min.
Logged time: 4 h 44 min
